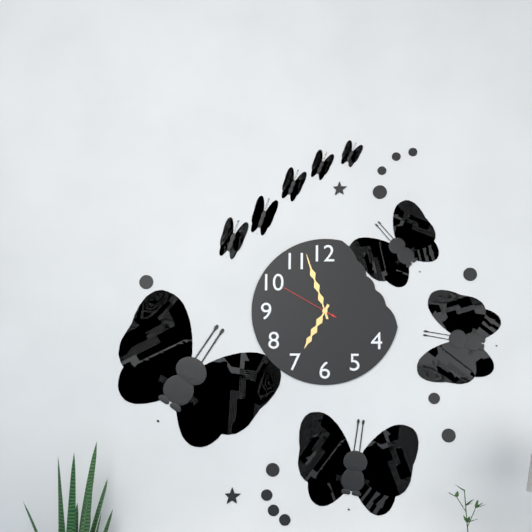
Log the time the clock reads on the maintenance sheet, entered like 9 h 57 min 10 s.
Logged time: 6 h 57 min 50 s
